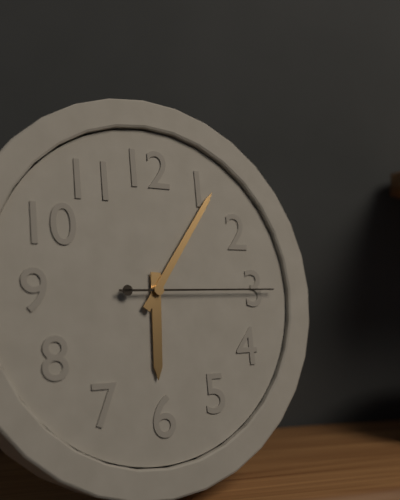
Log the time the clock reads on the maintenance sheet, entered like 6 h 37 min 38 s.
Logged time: 6 h 06 min 15 s
